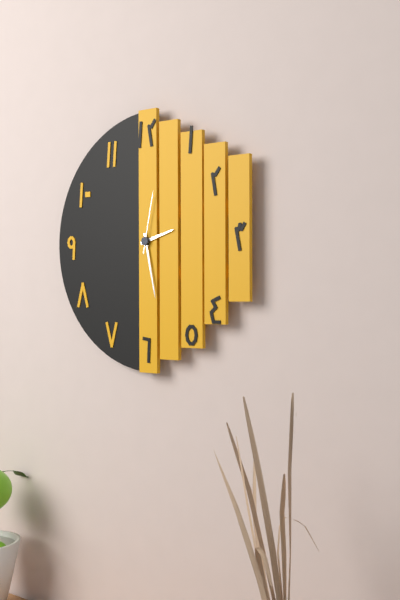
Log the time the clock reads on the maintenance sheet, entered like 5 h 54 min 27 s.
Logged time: 2 h 28 min 02 s
